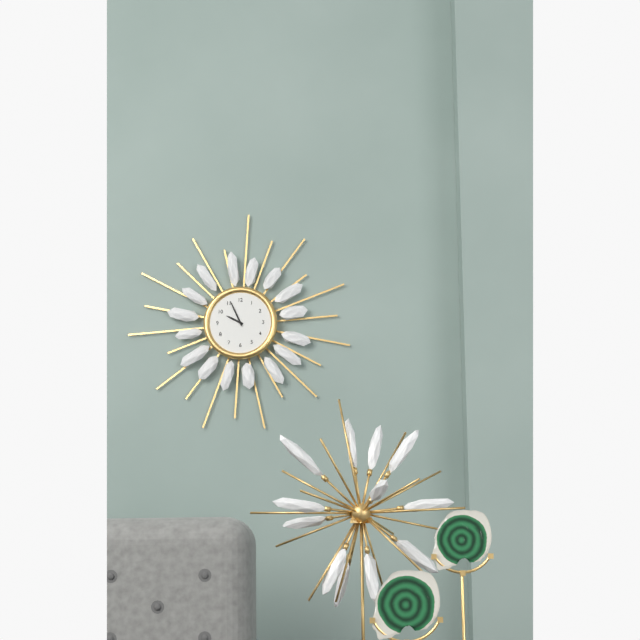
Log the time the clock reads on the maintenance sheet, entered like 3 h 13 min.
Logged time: 9 h 56 min
